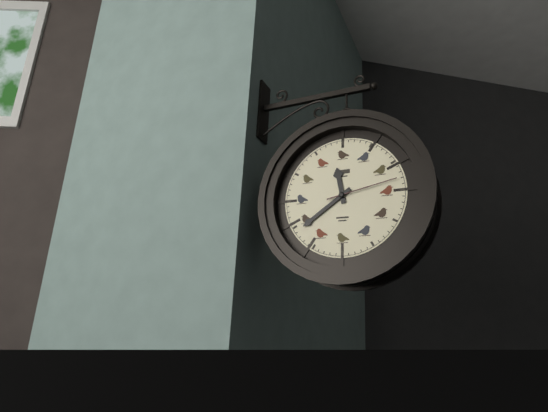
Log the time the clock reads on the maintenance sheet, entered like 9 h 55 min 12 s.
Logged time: 11 h 39 min 13 s
